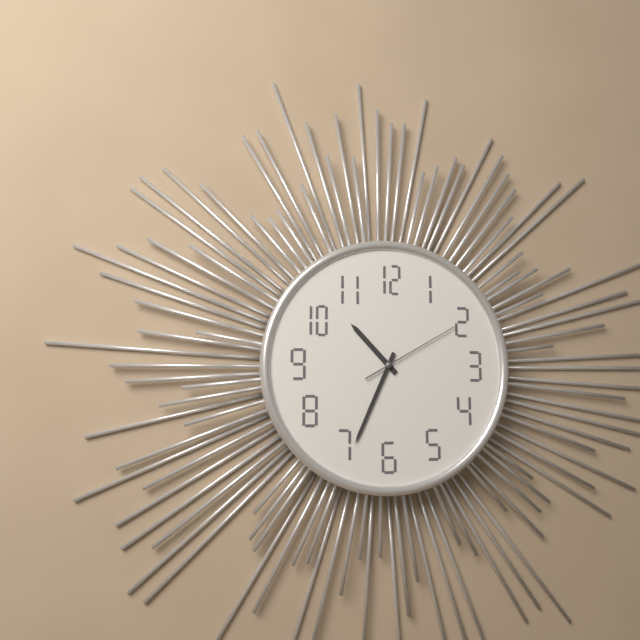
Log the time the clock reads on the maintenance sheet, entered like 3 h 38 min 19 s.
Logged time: 10 h 34 min 10 s
